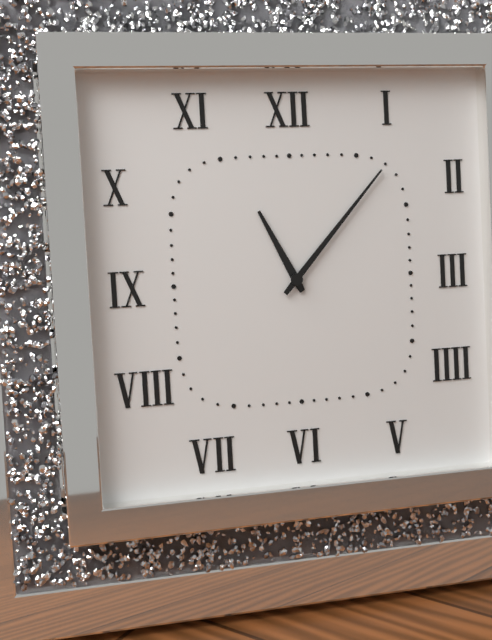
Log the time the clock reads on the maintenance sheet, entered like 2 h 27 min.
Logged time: 11 h 07 min
